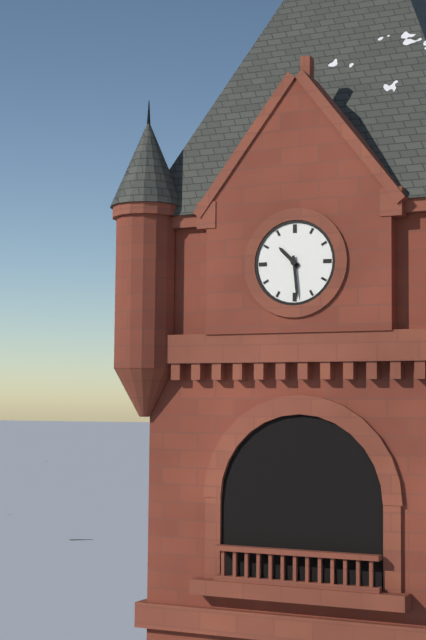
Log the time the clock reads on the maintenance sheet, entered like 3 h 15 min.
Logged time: 10 h 29 min
